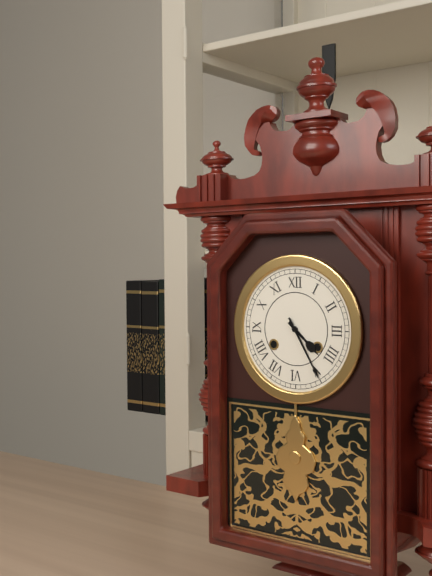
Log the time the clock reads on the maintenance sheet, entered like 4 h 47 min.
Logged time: 4 h 25 min
